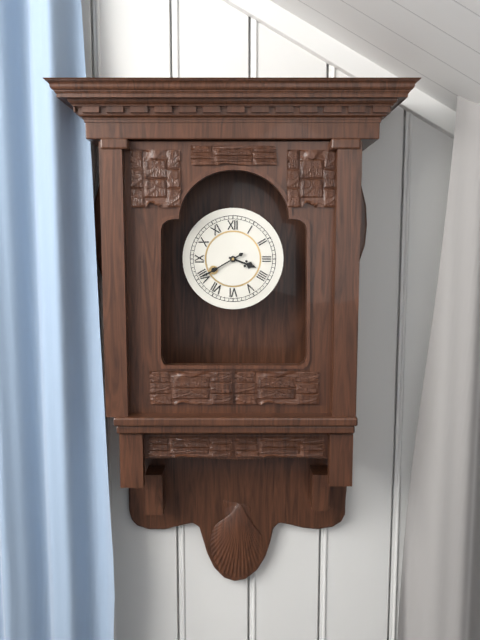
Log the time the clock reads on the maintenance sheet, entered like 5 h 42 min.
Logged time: 3 h 40 min
